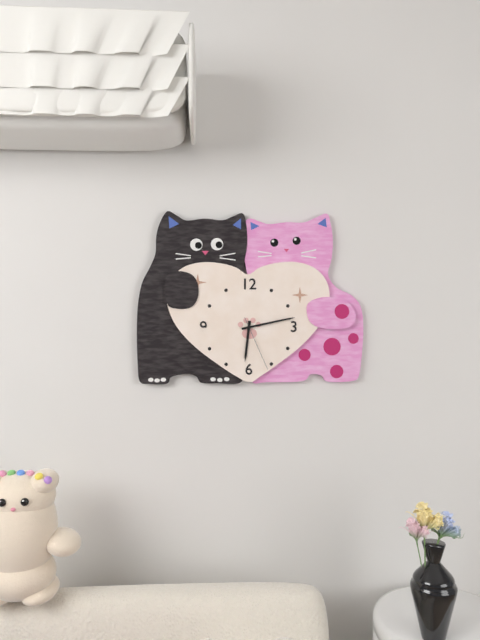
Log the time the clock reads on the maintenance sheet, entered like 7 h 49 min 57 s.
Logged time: 6 h 13 min 26 s
